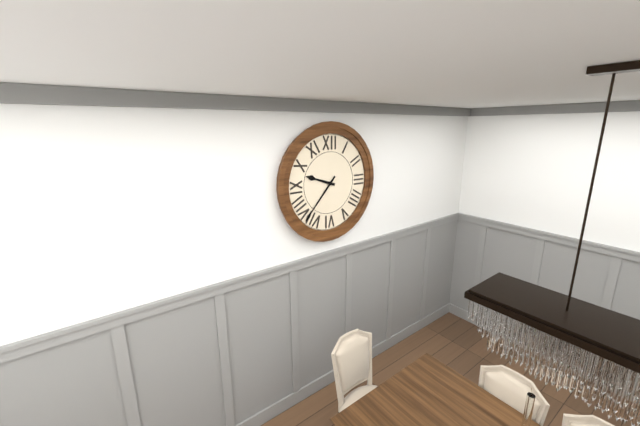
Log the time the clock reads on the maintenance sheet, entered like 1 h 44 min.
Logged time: 9 h 37 min
